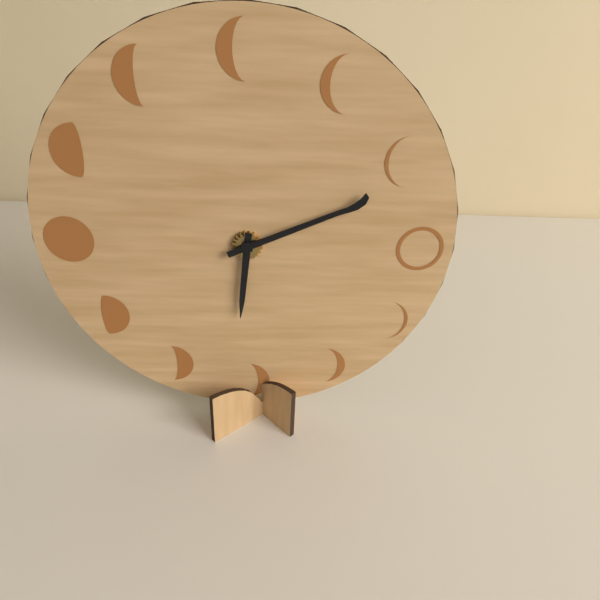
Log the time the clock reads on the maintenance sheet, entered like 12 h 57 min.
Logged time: 6 h 11 min
